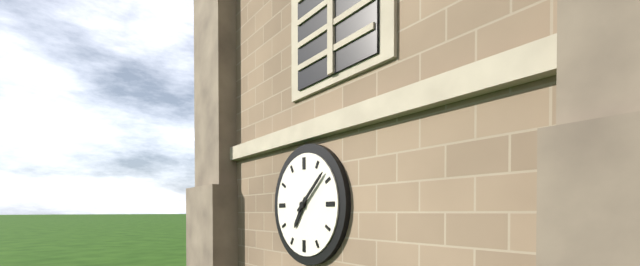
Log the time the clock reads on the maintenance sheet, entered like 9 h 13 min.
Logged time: 7 h 08 min
